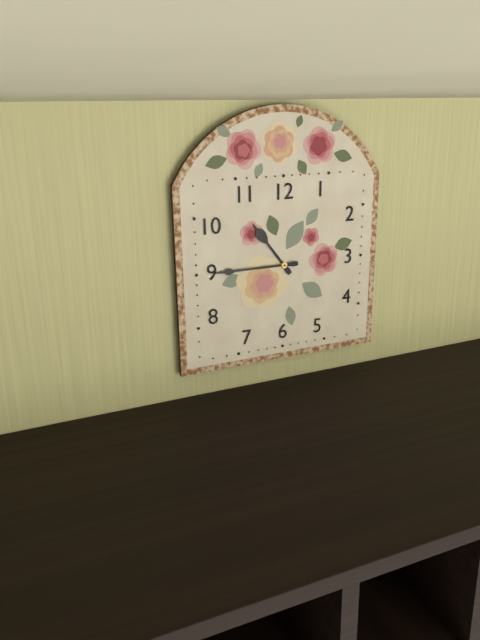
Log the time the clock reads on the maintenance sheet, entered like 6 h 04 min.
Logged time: 10 h 45 min
